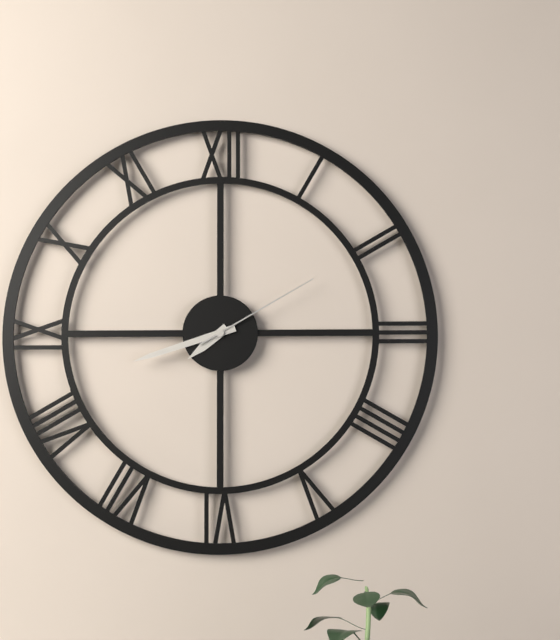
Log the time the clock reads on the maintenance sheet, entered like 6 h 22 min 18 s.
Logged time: 7 h 42 min 10 s
